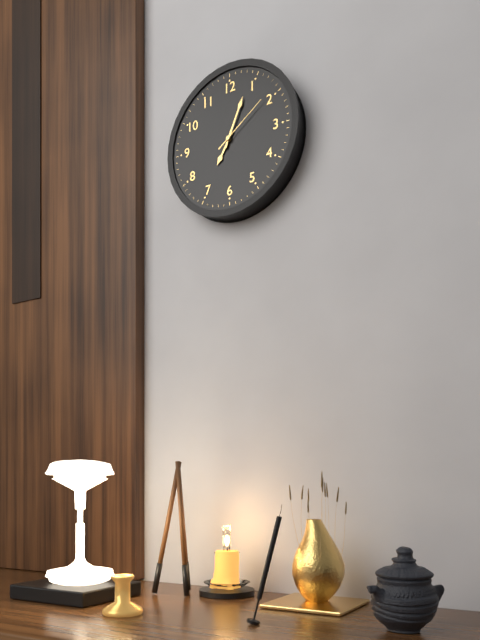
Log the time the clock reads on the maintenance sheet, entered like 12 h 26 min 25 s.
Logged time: 7 h 04 min 09 s
